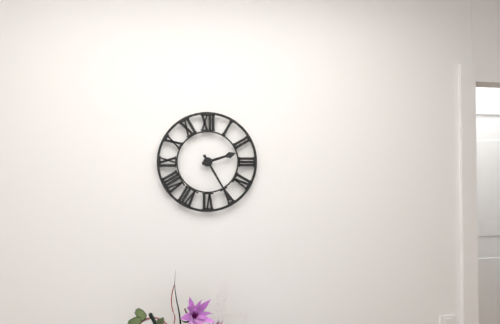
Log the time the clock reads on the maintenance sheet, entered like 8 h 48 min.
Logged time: 2 h 25 min
